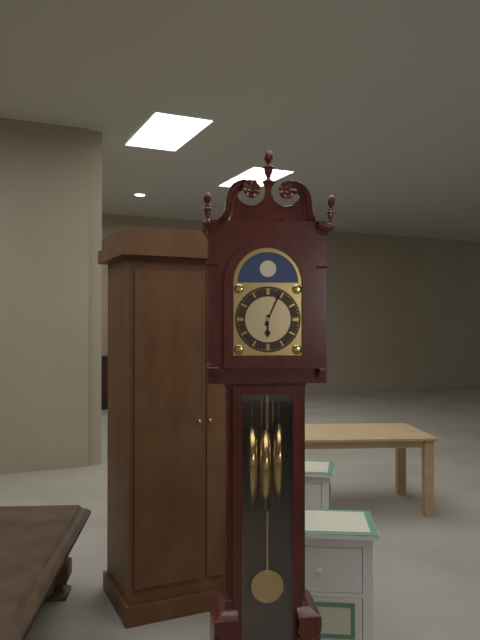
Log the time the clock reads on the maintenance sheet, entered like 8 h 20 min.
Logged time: 6 h 04 min
